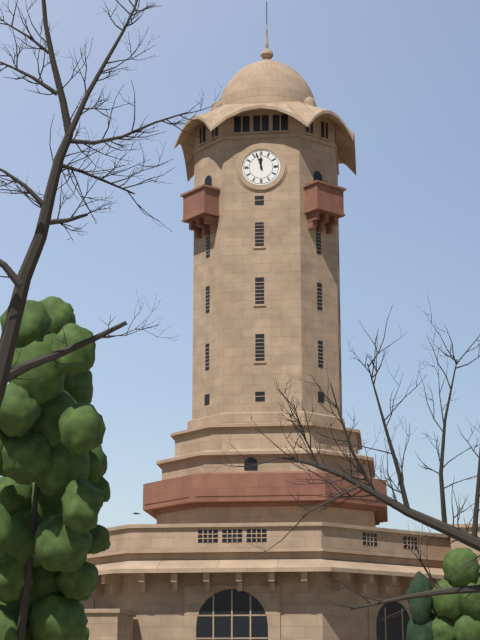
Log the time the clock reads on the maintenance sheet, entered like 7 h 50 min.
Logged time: 11 h 57 min
